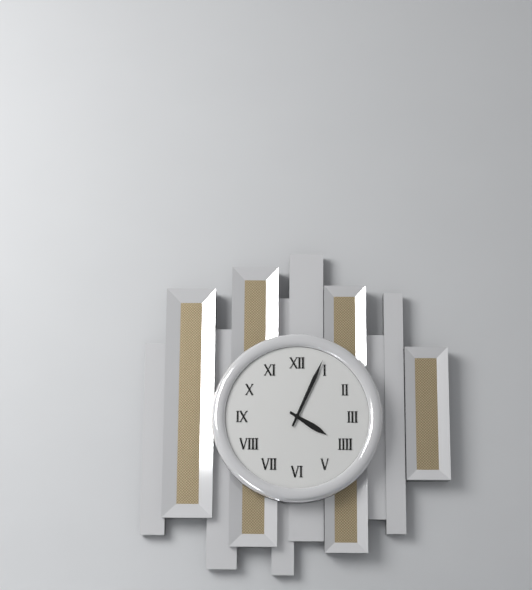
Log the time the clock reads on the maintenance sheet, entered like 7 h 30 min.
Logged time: 4 h 04 min
